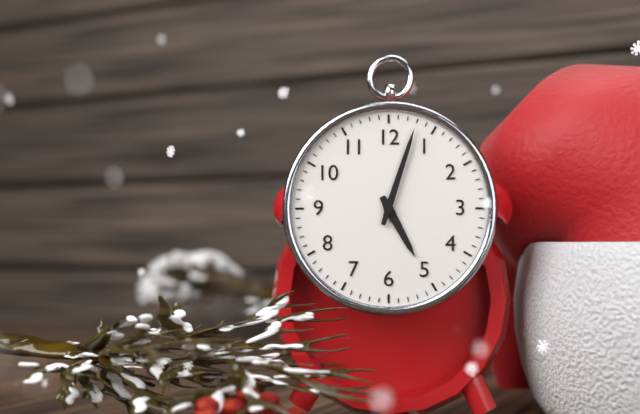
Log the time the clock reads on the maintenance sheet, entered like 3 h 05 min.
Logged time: 5 h 03 min
